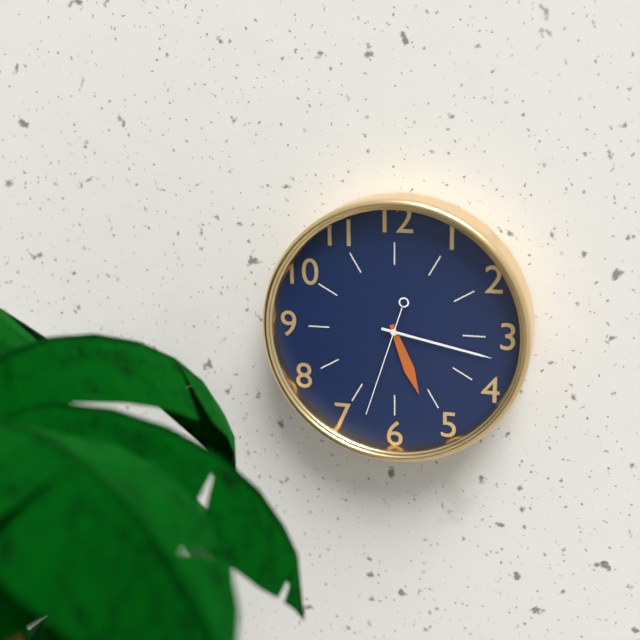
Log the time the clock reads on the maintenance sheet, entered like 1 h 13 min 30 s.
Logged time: 5 h 17 min 33 s
